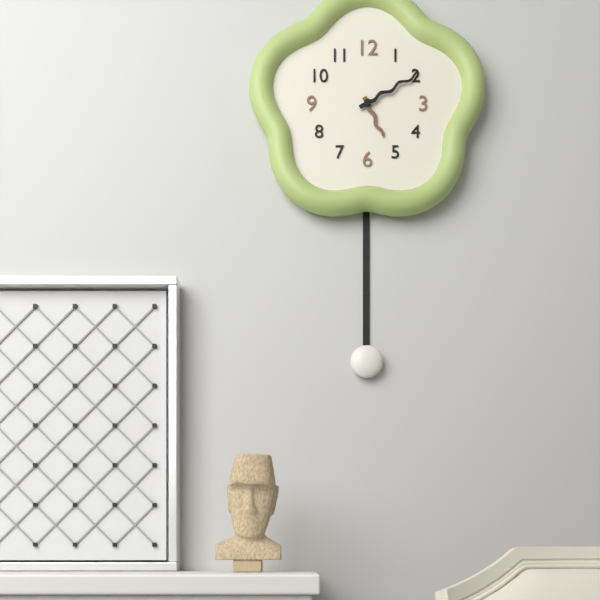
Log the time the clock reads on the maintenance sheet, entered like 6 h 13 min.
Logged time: 5 h 10 min
